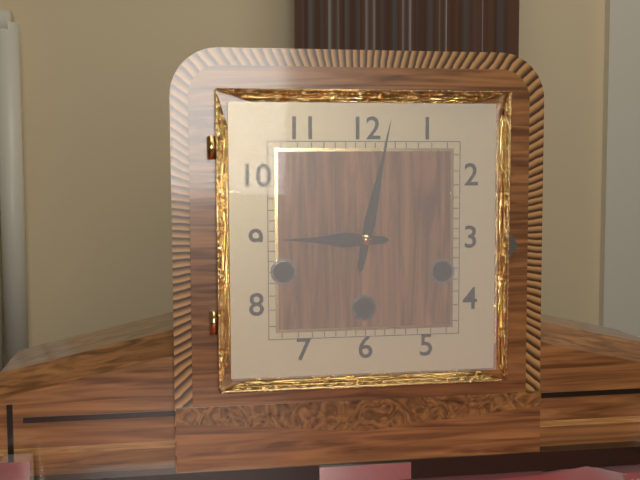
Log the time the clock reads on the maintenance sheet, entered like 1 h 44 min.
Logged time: 9 h 02 min
